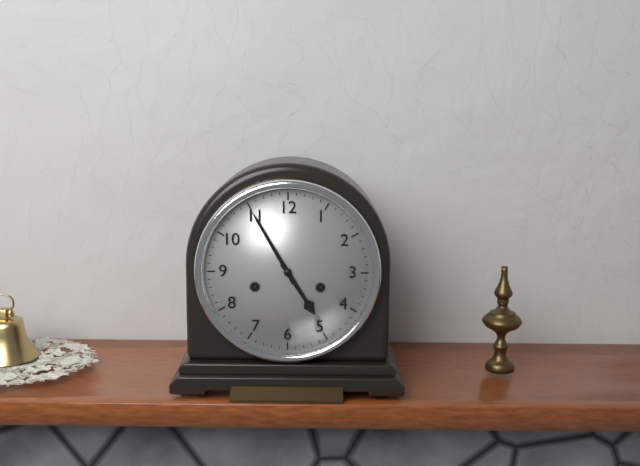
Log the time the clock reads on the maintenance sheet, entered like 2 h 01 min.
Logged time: 4 h 55 min
